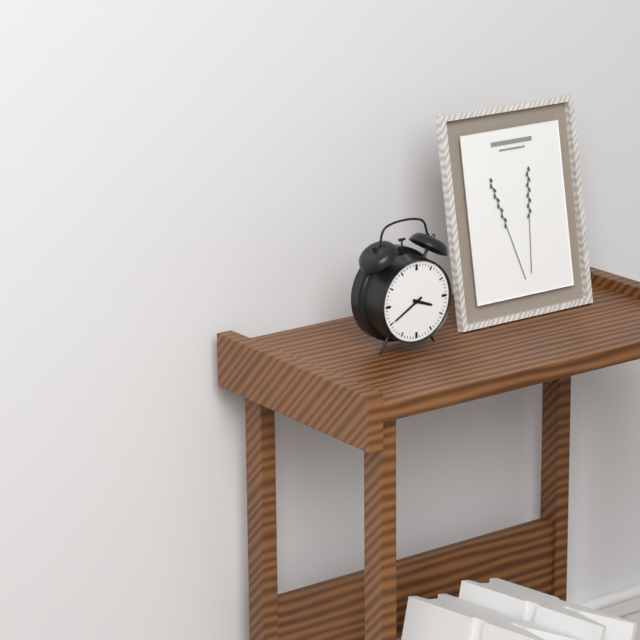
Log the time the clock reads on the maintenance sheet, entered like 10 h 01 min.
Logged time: 3 h 40 min
